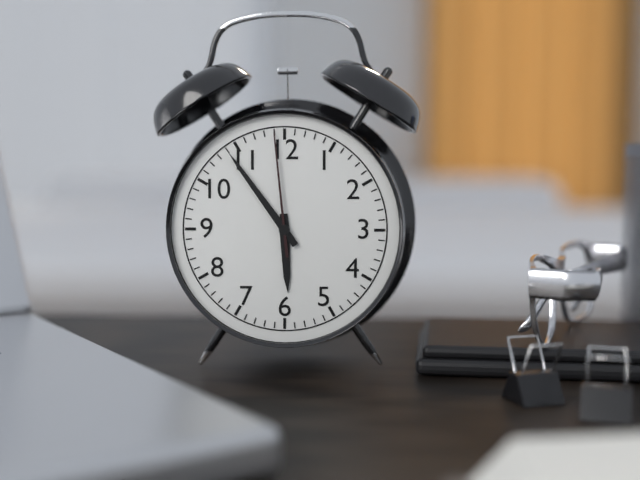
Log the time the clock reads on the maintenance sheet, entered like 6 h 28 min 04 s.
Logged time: 5 h 54 min 59 s
